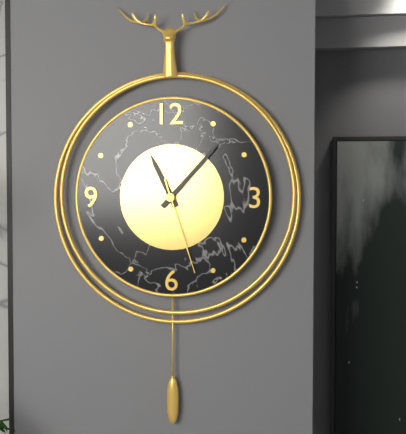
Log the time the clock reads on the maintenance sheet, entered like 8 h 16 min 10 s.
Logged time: 11 h 07 min 27 s
